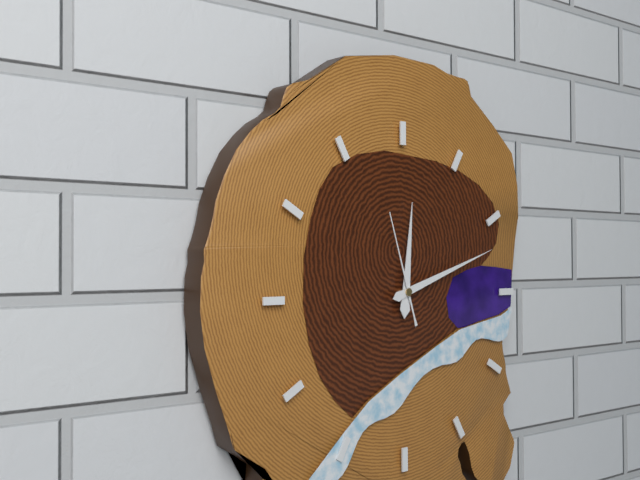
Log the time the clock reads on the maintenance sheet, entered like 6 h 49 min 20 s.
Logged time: 12 h 12 min 57 s
